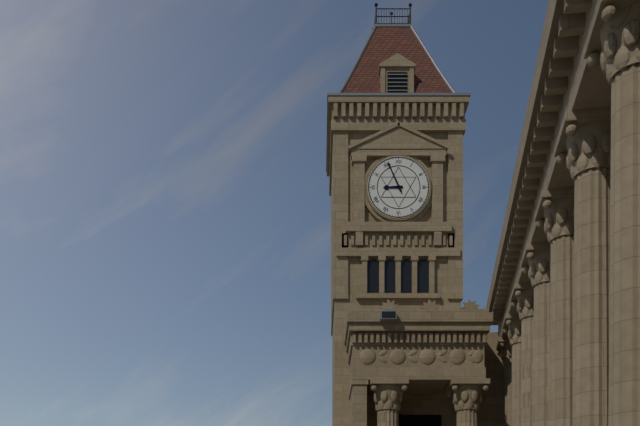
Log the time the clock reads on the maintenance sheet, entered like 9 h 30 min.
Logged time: 8 h 56 min
